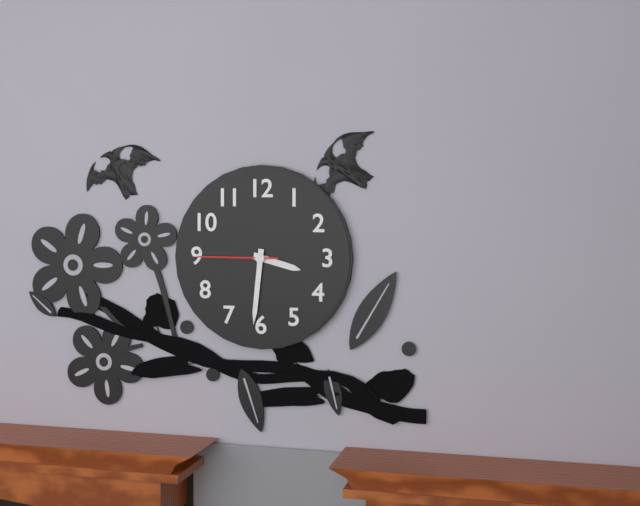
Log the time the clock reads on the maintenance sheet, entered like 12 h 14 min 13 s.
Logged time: 3 h 31 min 45 s
